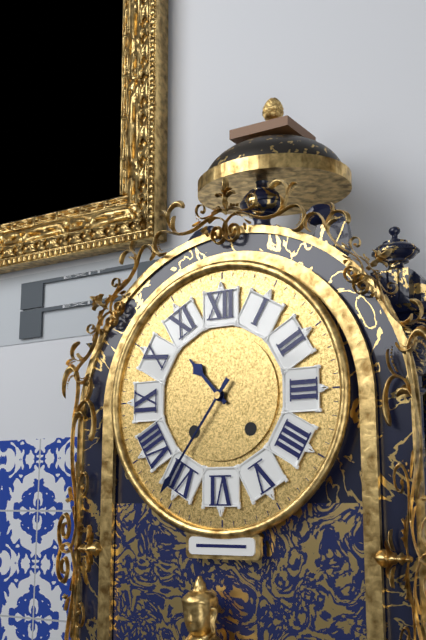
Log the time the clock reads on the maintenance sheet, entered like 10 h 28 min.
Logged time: 10 h 36 min
